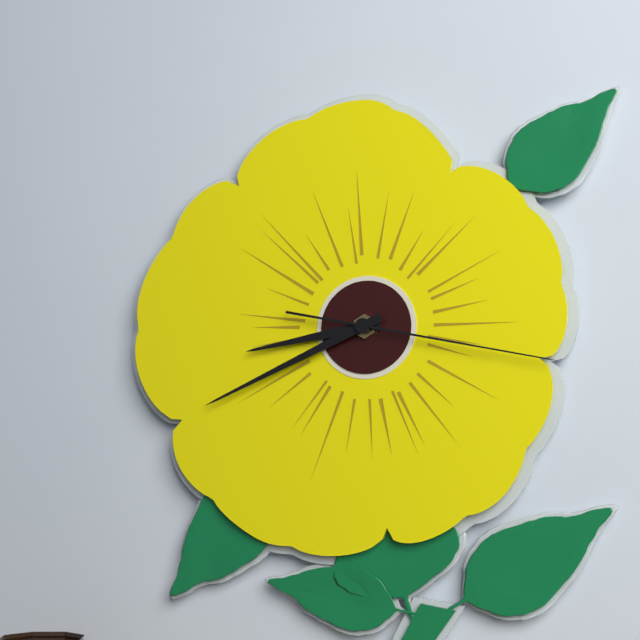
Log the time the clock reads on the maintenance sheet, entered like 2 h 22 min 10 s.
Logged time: 8 h 41 min 17 s
